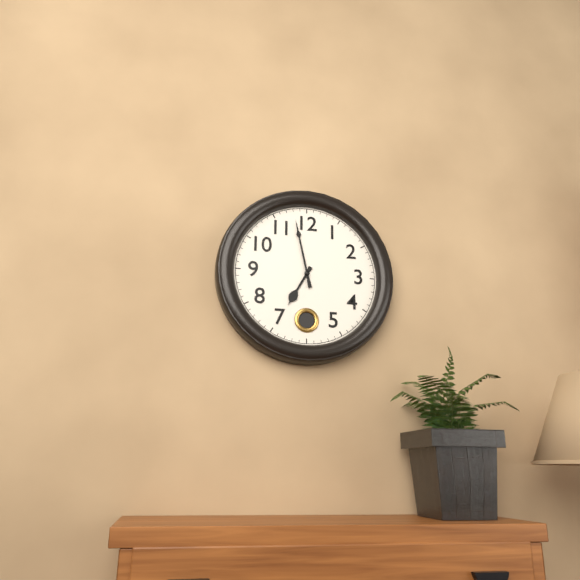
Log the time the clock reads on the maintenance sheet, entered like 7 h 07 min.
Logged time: 6 h 58 min
